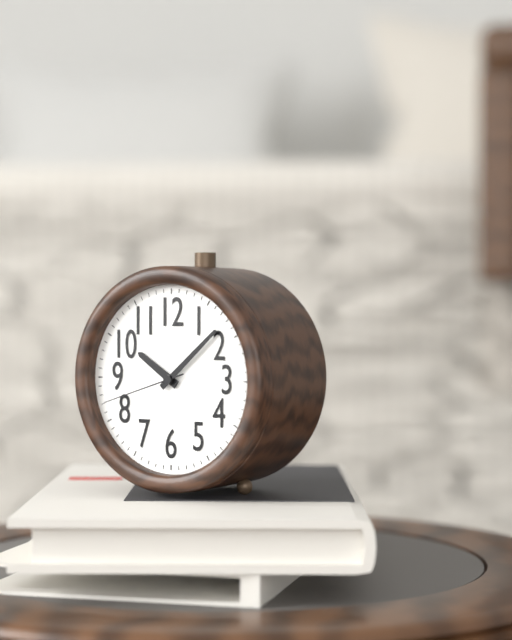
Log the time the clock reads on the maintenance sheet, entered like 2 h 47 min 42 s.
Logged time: 10 h 08 min 42 s
